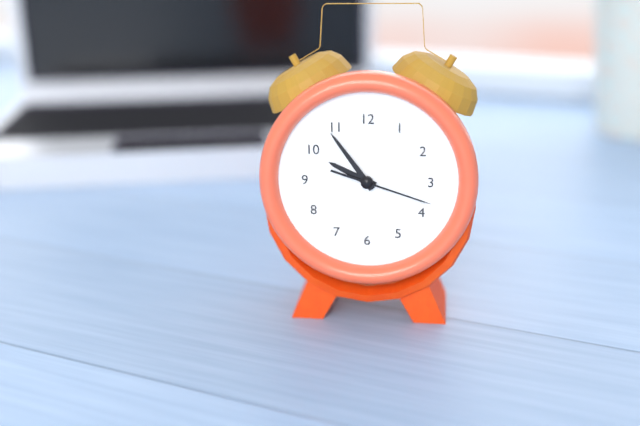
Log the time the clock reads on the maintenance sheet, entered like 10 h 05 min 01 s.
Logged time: 9 h 54 min 18 s
